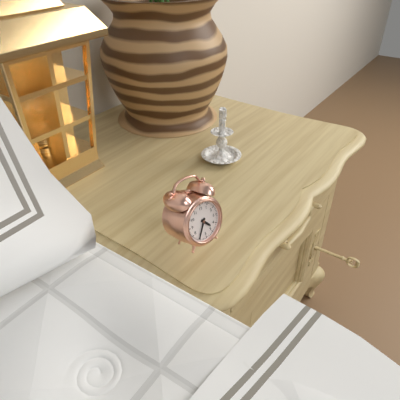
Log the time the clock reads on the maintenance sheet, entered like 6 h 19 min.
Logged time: 4 h 35 min
